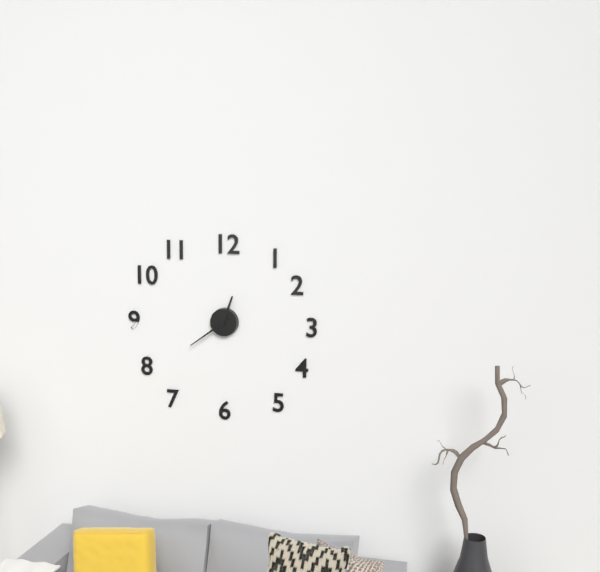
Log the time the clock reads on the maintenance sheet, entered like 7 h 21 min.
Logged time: 12 h 39 min
